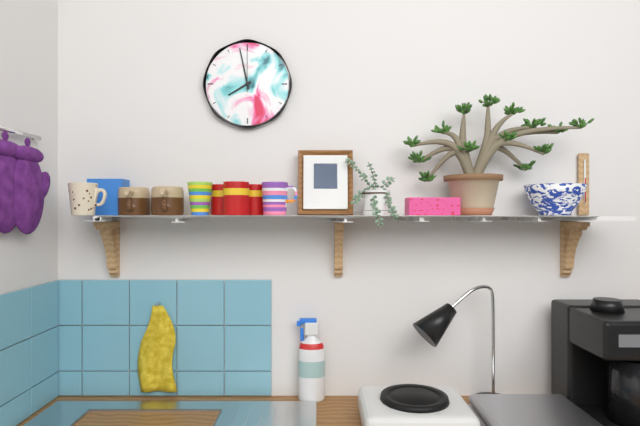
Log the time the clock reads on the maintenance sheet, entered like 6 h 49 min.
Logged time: 7 h 58 min
